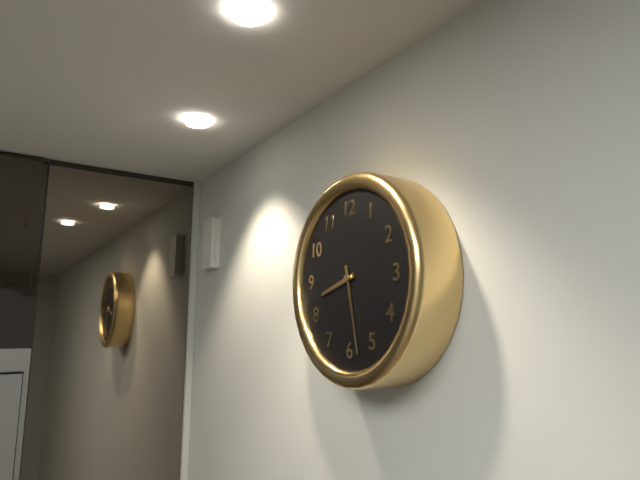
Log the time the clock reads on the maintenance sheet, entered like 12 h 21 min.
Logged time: 8 h 28 min
